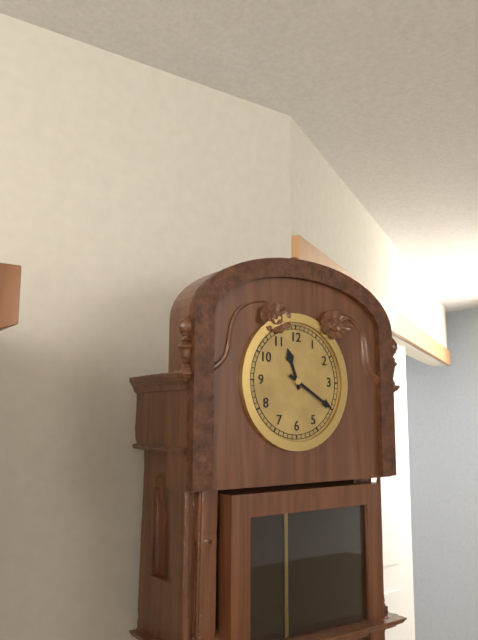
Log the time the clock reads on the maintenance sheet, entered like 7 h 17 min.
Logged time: 11 h 20 min
